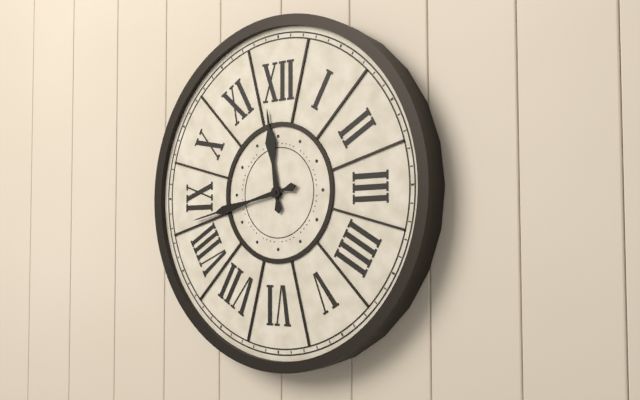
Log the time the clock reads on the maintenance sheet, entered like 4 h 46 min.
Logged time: 11 h 43 min
